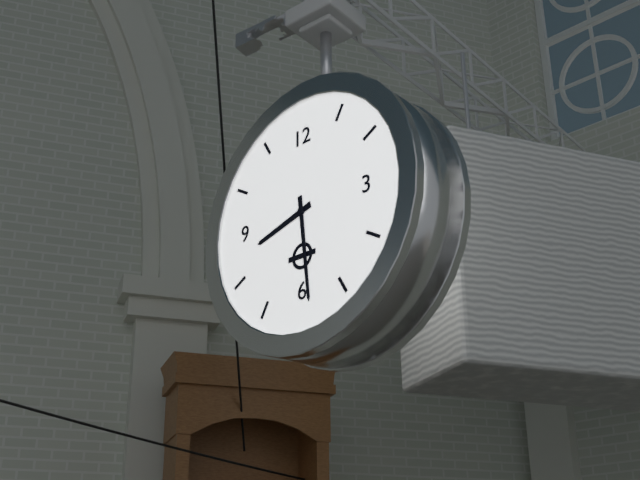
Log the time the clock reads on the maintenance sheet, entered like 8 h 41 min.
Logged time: 8 h 29 min
